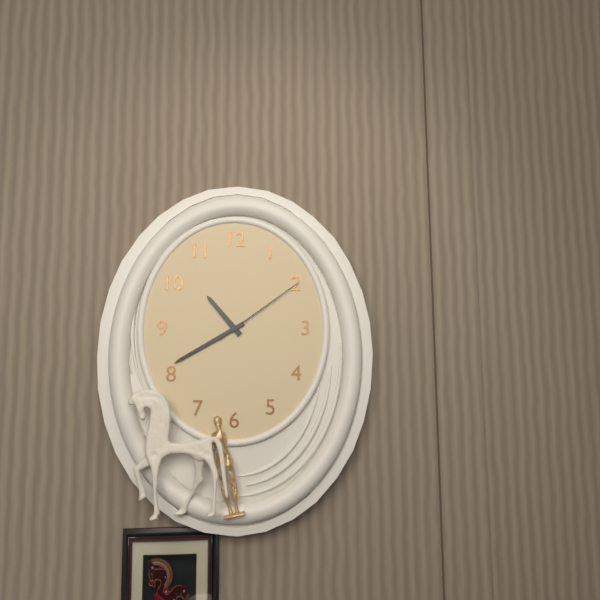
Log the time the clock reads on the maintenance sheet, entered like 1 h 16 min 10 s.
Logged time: 10 h 40 min 09 s
